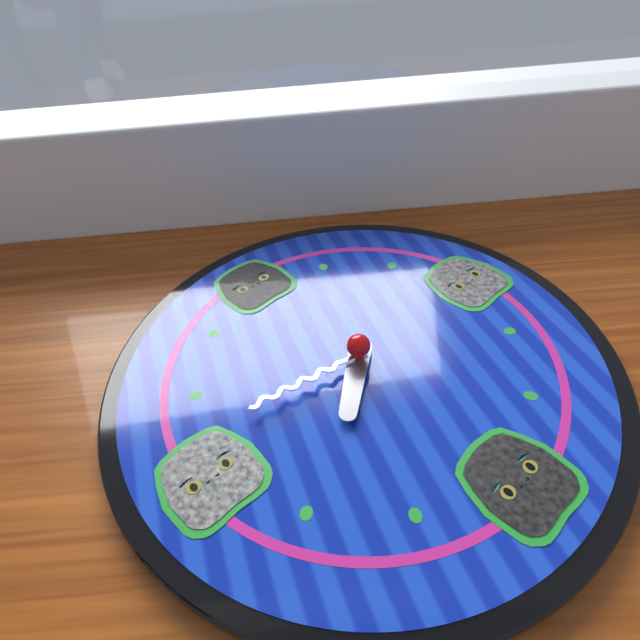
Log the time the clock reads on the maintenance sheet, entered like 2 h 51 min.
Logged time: 7 h 47 min
